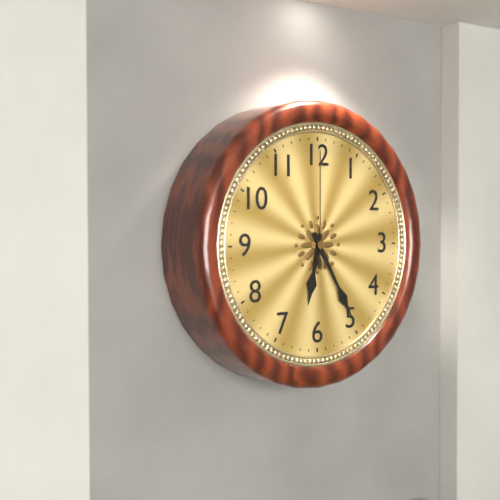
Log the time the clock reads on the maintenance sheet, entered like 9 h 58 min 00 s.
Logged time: 6 h 25 min 00 s
